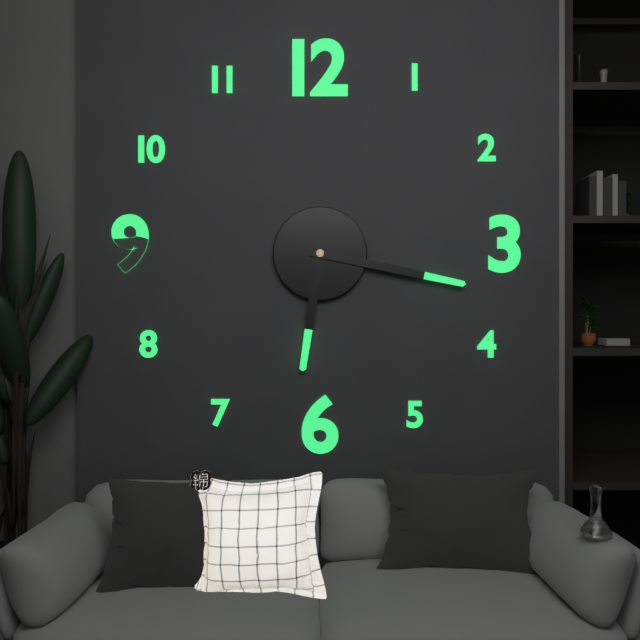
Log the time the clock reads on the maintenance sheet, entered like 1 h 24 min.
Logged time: 6 h 17 min
